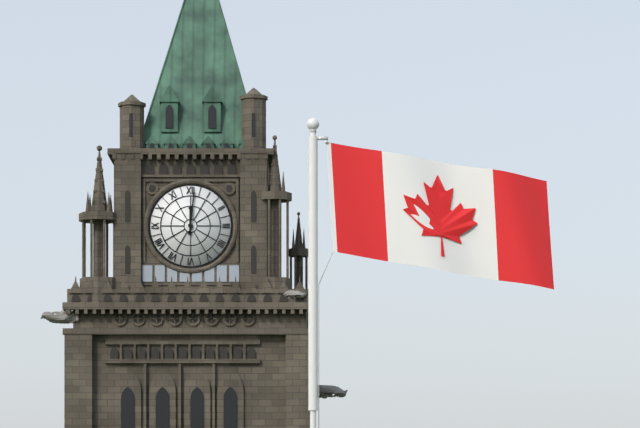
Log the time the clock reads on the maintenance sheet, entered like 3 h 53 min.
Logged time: 12 h 01 min
